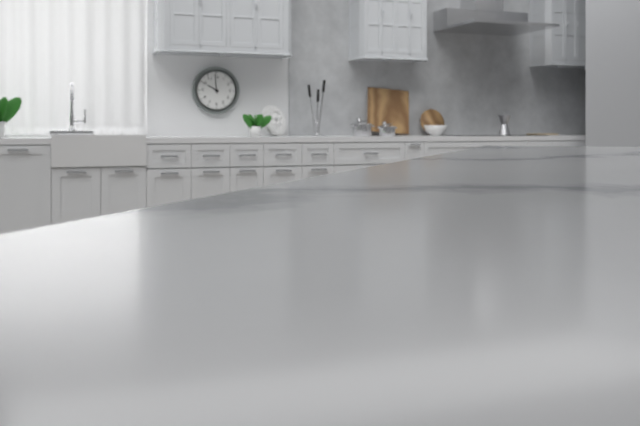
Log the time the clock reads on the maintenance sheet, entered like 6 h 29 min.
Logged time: 9 h 59 min
